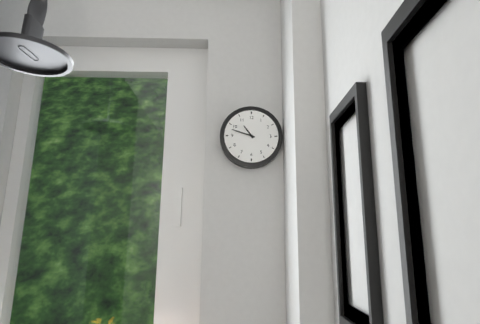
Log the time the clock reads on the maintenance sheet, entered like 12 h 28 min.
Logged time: 10 h 48 min
